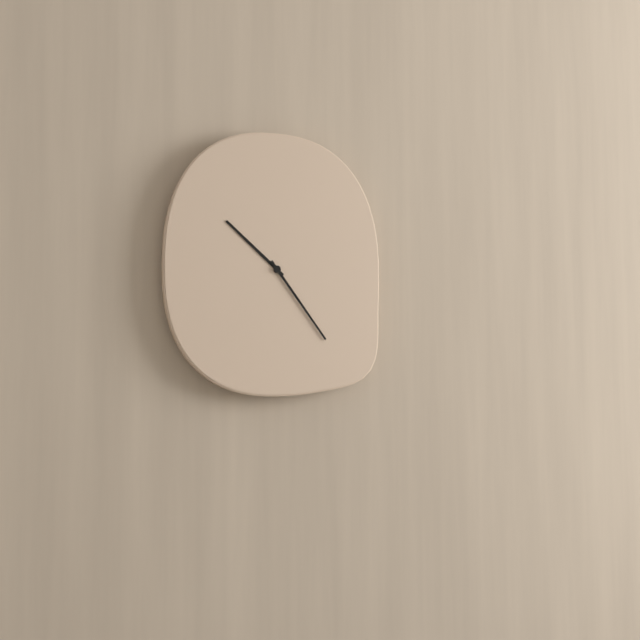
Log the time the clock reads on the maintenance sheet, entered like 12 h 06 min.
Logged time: 10 h 24 min
